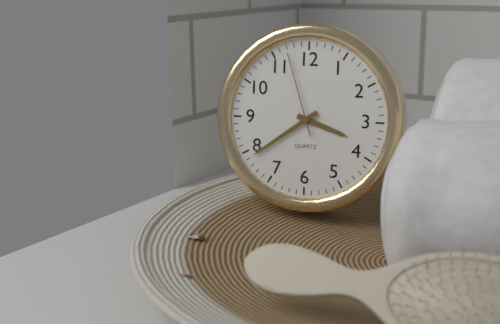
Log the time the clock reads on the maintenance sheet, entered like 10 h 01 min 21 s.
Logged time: 3 h 39 min 57 s
